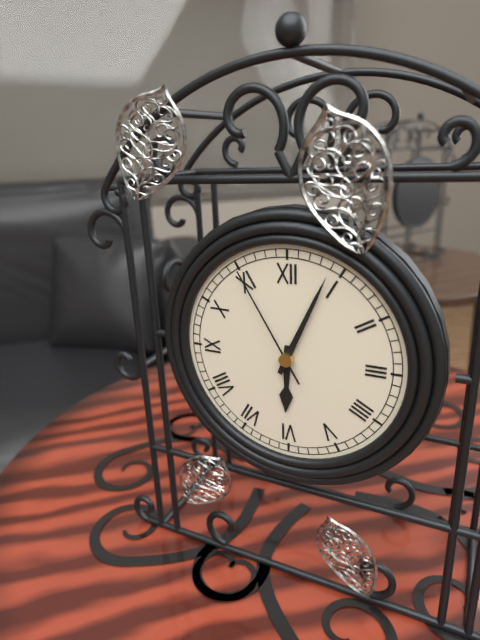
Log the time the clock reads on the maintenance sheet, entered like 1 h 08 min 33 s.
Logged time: 6 h 04 min 55 s
